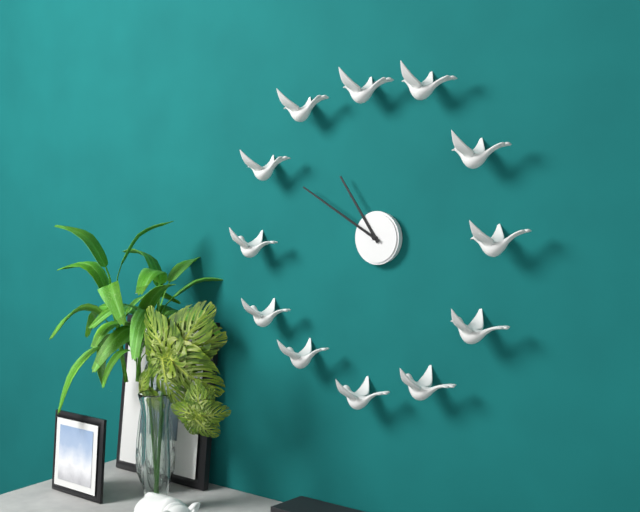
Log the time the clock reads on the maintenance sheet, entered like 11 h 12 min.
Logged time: 10 h 50 min
